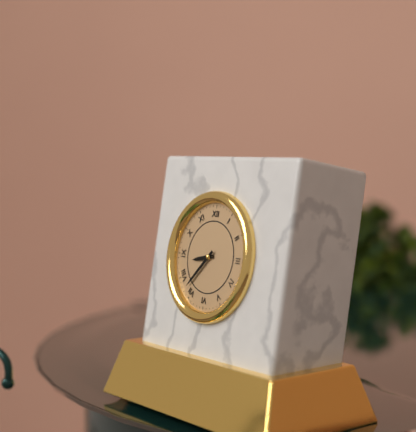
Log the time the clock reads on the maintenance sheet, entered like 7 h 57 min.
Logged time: 8 h 37 min
